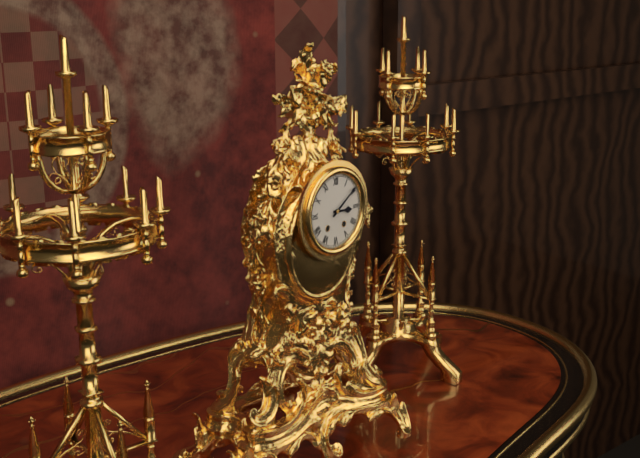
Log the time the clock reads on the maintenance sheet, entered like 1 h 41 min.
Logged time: 3 h 09 min
